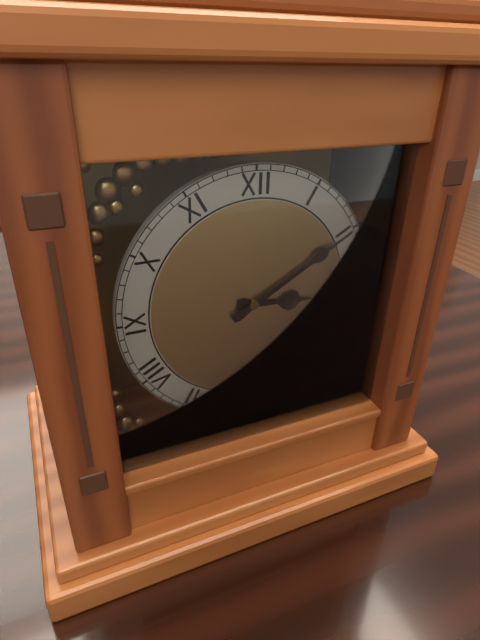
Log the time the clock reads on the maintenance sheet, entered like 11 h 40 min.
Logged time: 3 h 10 min
